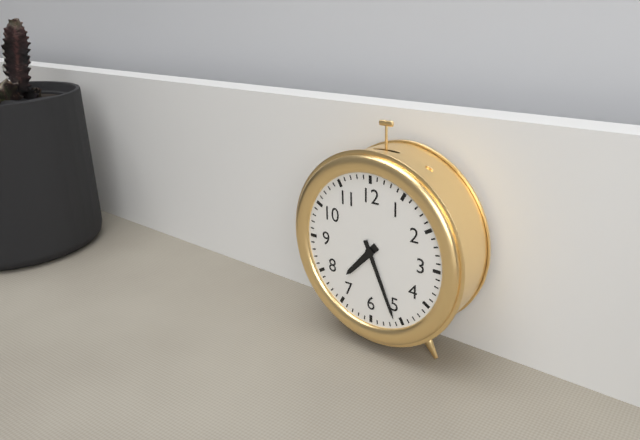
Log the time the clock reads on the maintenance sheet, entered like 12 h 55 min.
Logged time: 7 h 26 min
